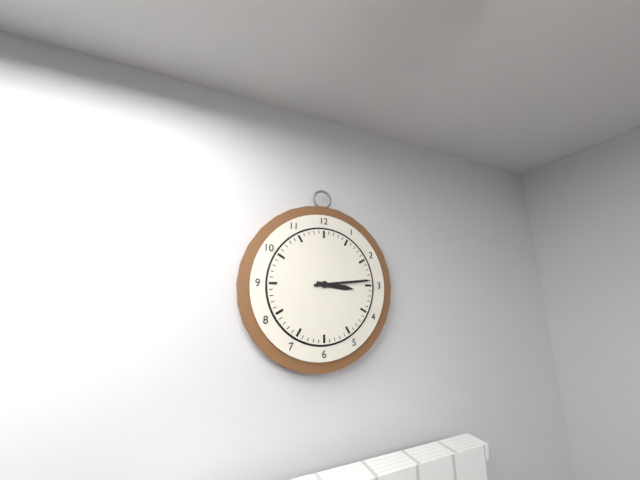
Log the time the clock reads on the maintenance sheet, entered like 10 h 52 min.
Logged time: 3 h 14 min
